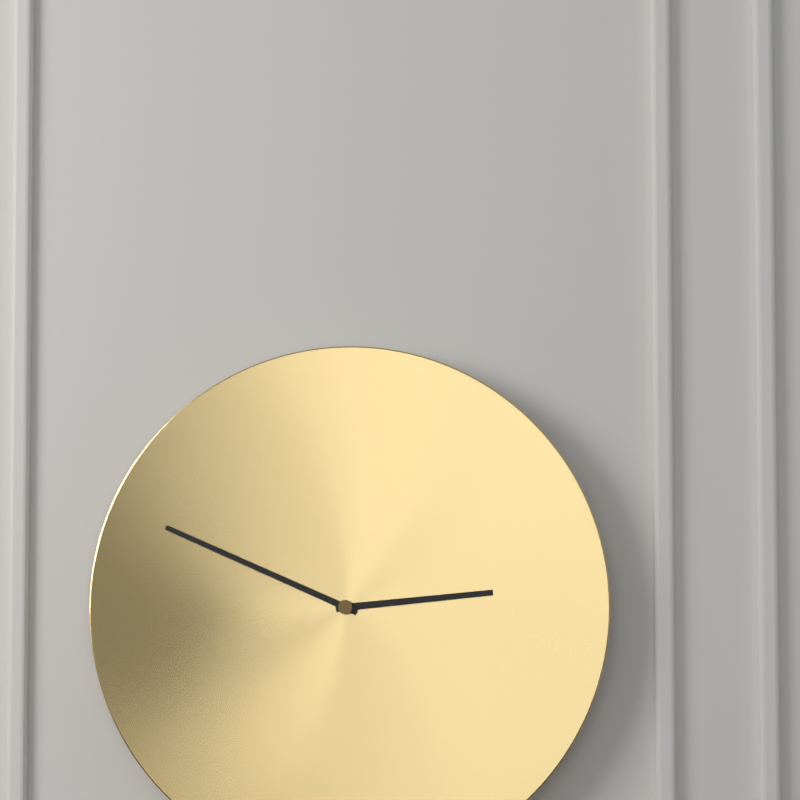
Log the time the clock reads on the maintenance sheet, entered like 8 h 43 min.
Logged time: 2 h 49 min
